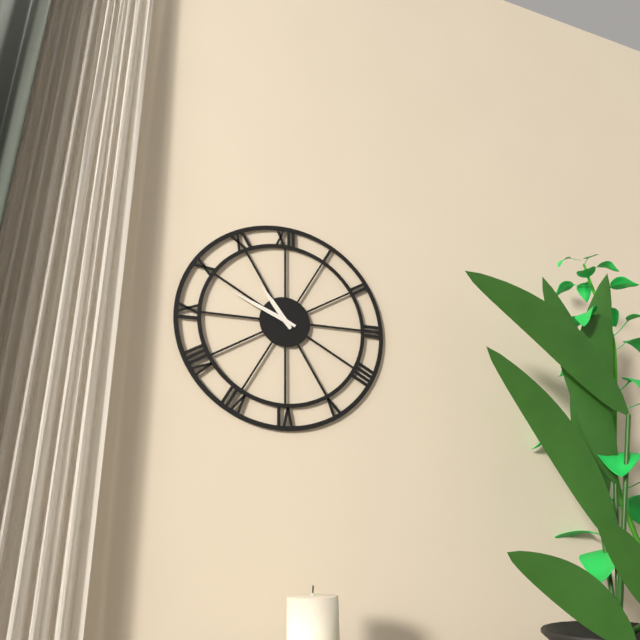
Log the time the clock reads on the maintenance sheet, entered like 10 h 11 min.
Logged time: 10 h 49 min
